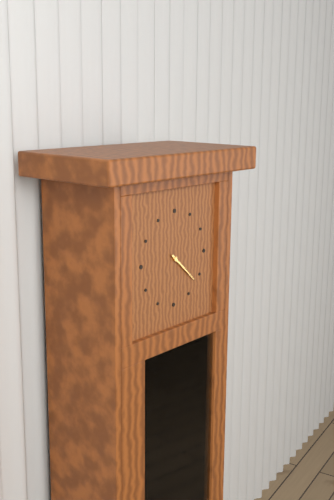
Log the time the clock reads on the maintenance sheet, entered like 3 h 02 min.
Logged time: 4 h 22 min
